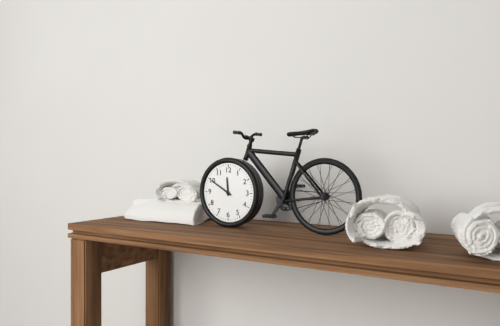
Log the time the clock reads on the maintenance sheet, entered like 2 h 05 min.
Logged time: 11 h 50 min
